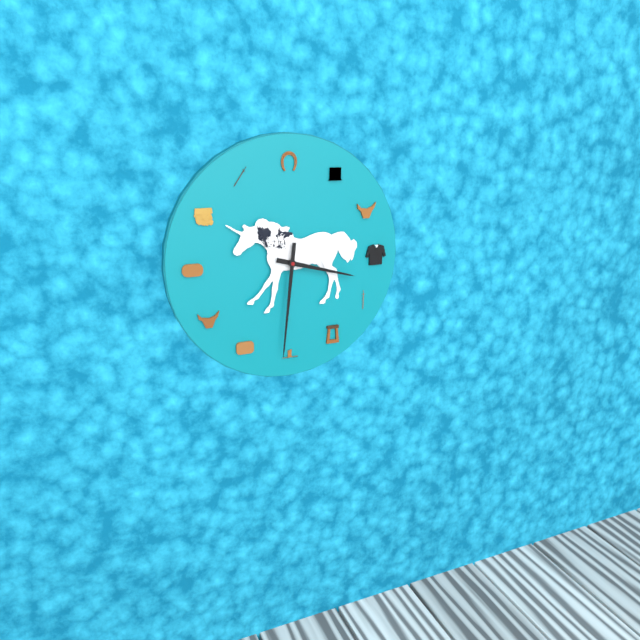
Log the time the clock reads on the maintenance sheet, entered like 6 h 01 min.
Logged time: 3 h 31 min
